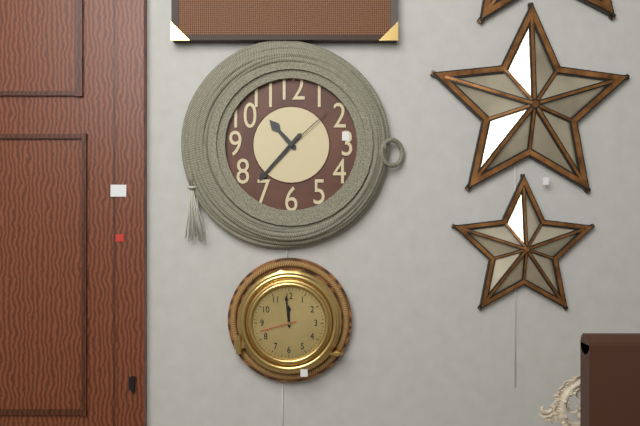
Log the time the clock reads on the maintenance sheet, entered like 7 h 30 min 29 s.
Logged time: 10 h 37 min 08 s
